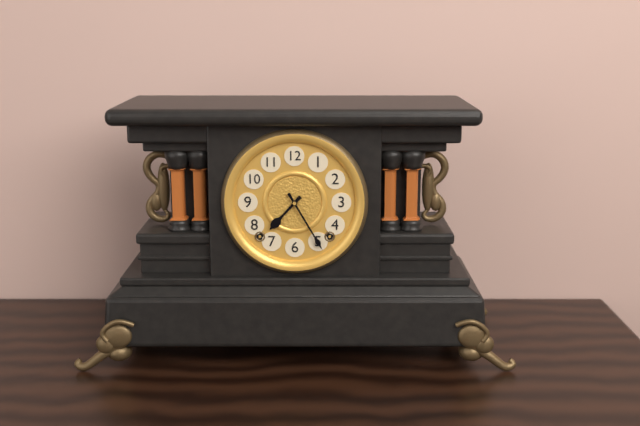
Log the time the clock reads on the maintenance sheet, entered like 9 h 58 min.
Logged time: 7 h 25 min
